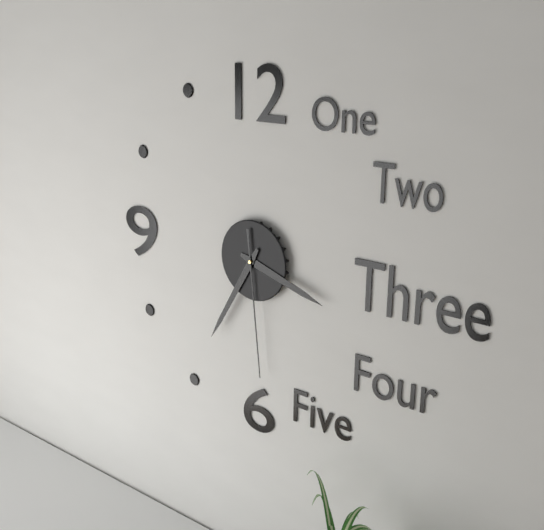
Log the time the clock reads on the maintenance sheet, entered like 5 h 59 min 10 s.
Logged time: 3 h 35 min 29 s
